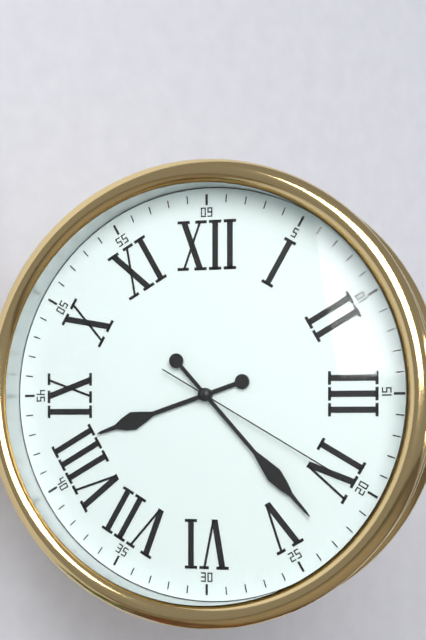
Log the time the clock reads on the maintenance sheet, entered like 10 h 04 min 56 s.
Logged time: 8 h 23 min 20 s
